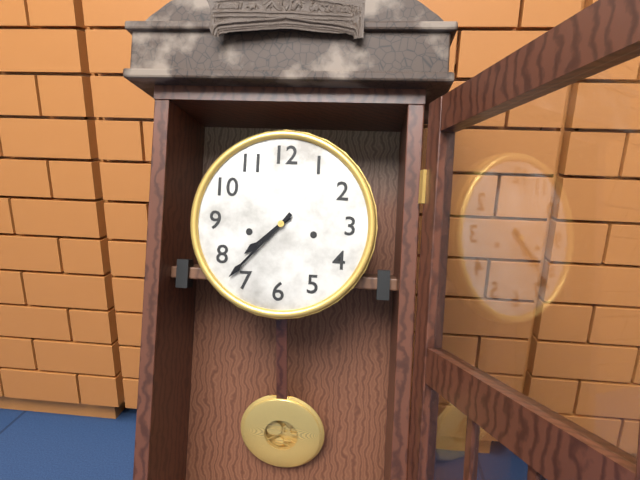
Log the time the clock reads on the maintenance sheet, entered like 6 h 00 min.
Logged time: 7 h 37 min
